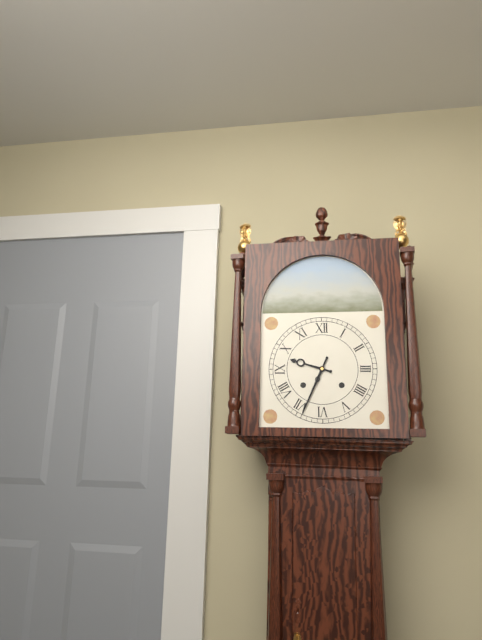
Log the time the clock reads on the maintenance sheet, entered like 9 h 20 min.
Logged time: 9 h 34 min
